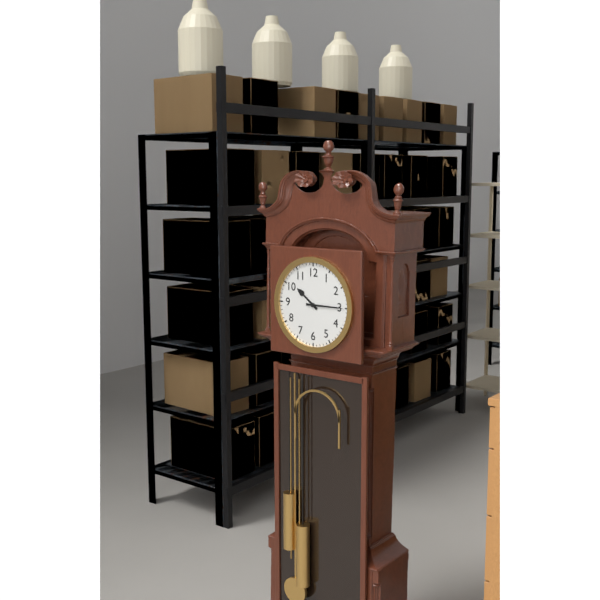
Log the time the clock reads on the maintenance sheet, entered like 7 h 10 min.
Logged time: 10 h 15 min
